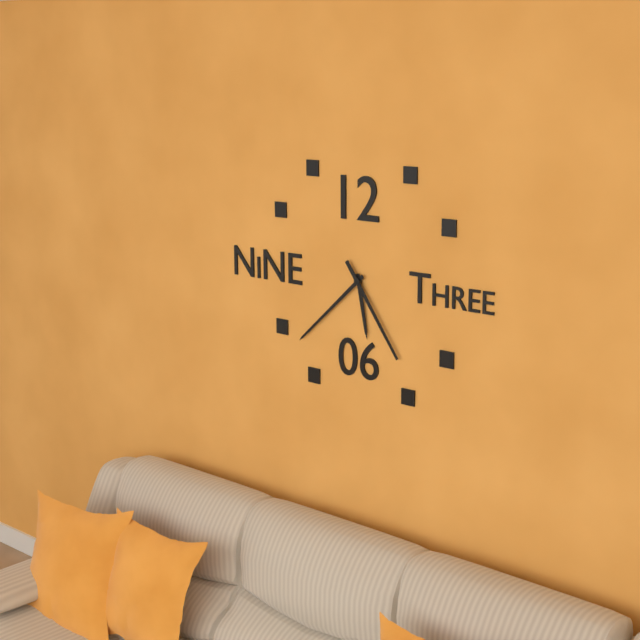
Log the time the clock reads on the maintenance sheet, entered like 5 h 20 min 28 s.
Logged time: 5 h 38 min 24 s
